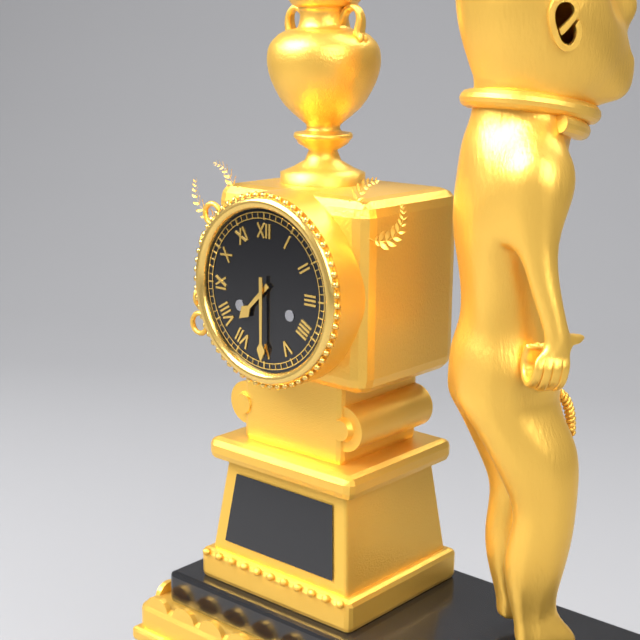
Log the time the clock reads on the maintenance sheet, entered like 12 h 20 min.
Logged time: 7 h 30 min
